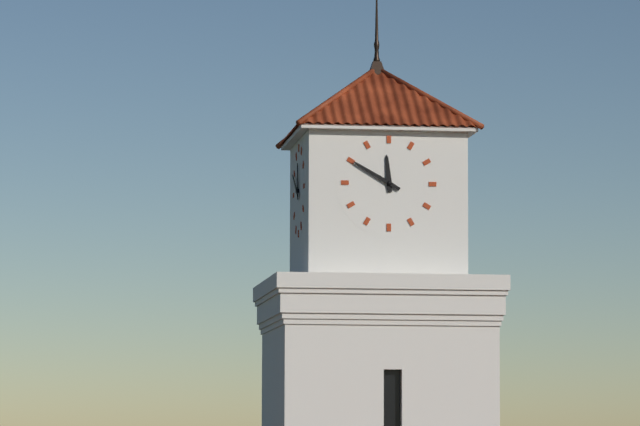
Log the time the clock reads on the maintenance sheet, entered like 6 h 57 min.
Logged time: 11 h 50 min
